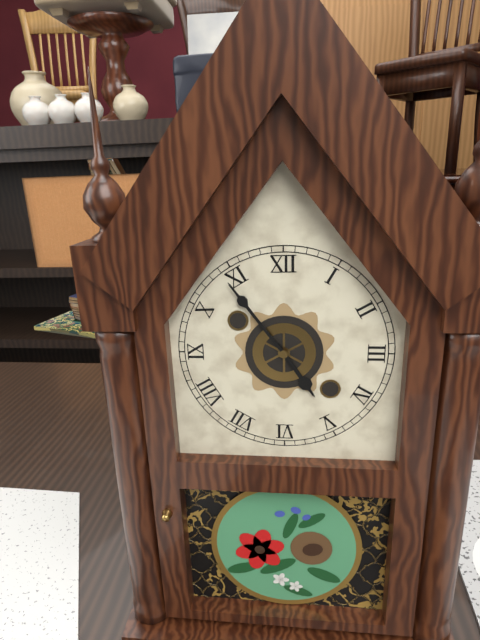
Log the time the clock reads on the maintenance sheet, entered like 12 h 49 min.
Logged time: 4 h 54 min
